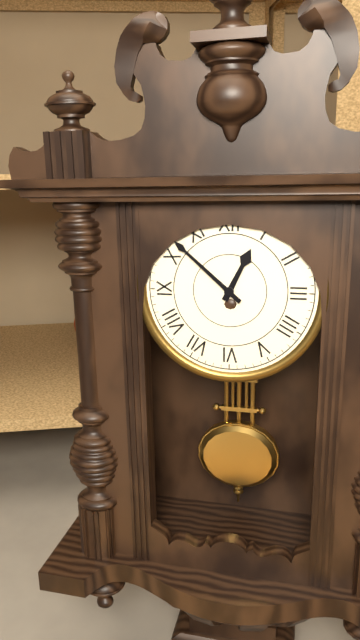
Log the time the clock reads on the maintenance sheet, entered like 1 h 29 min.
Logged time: 12 h 52 min
